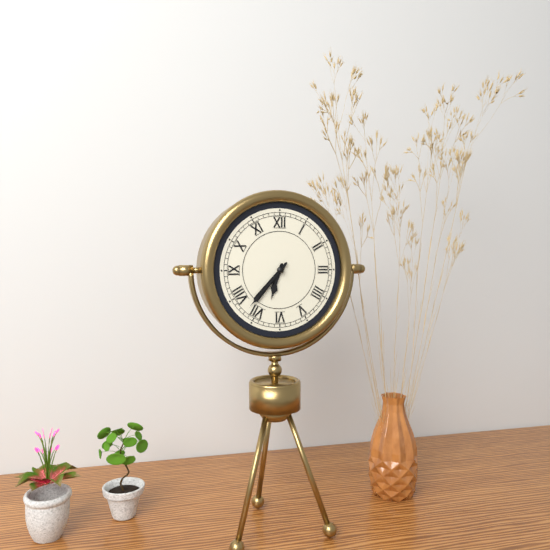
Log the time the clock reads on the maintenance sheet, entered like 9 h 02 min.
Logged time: 6 h 37 min
